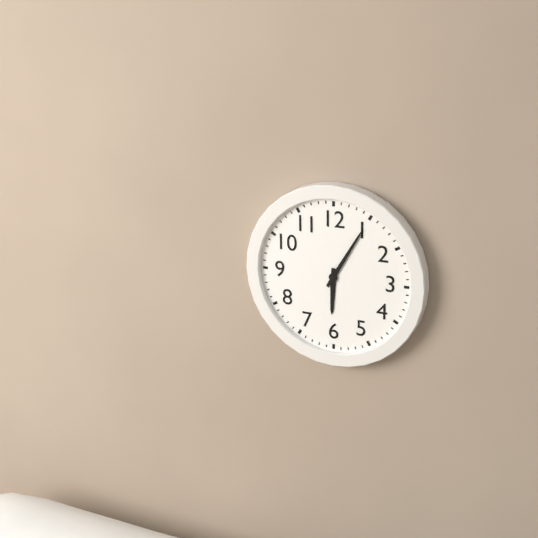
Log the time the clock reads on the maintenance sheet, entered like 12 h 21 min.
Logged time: 6 h 05 min
